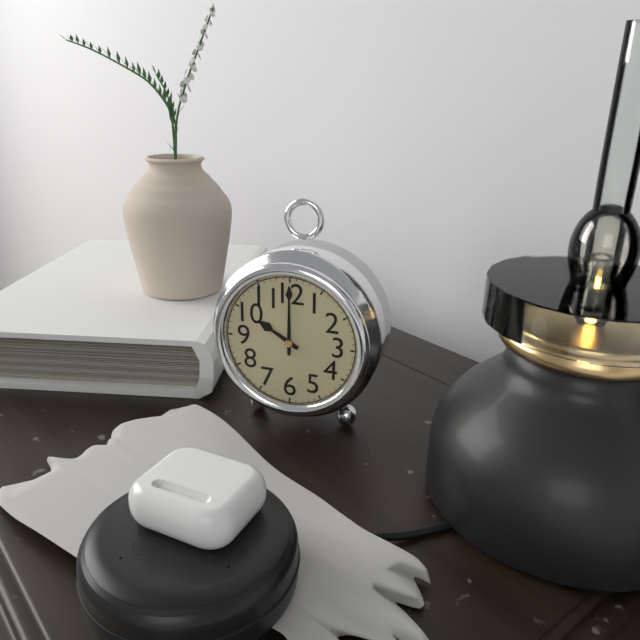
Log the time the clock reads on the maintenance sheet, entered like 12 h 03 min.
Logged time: 10 h 00 min
